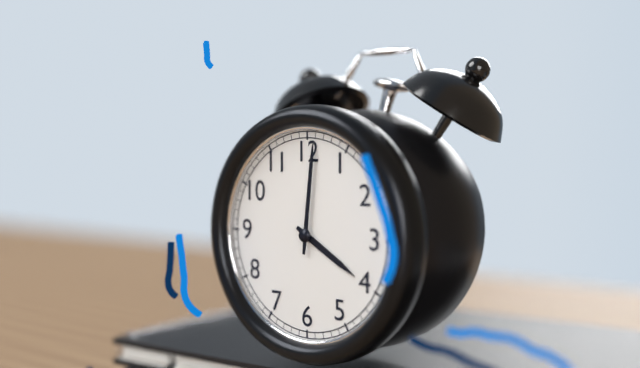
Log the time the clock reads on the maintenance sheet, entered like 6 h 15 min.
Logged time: 4 h 01 min
